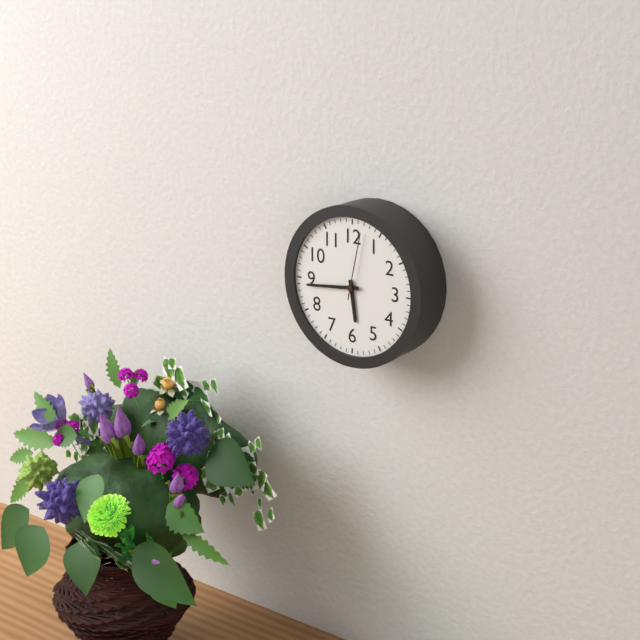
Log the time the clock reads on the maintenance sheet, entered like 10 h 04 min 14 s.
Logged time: 5 h 44 min 02 s
